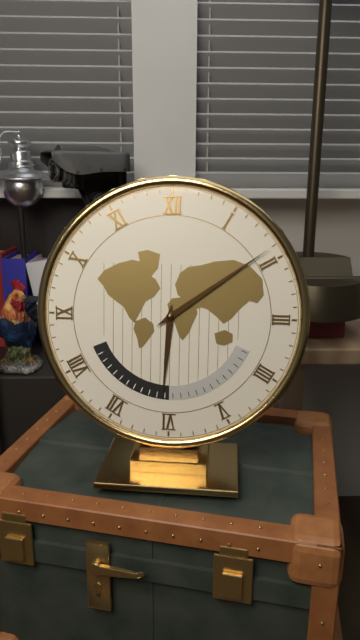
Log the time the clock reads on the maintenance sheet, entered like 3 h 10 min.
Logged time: 6 h 09 min
